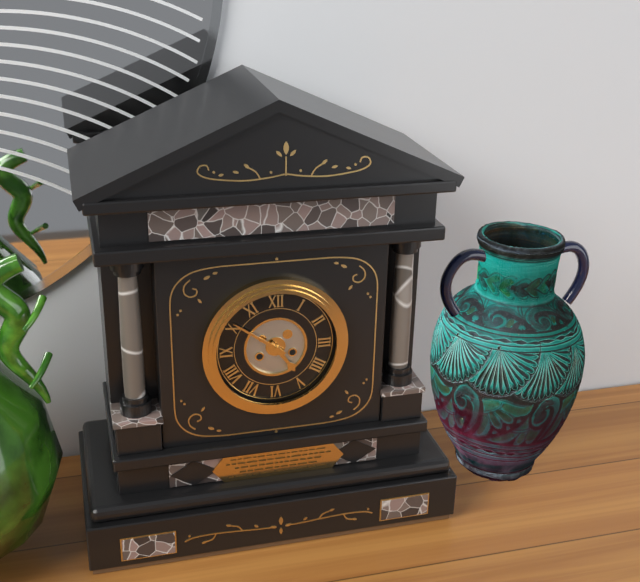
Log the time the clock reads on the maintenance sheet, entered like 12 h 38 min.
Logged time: 4 h 51 min
